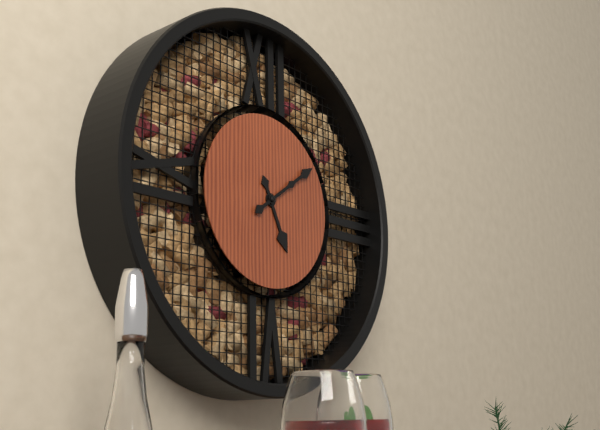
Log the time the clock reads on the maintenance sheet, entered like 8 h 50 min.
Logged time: 5 h 09 min
